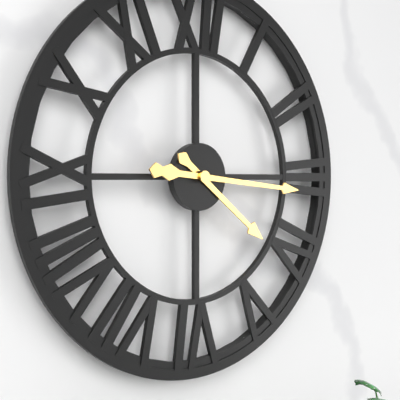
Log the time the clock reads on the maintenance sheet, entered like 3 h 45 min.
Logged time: 4 h 16 min
